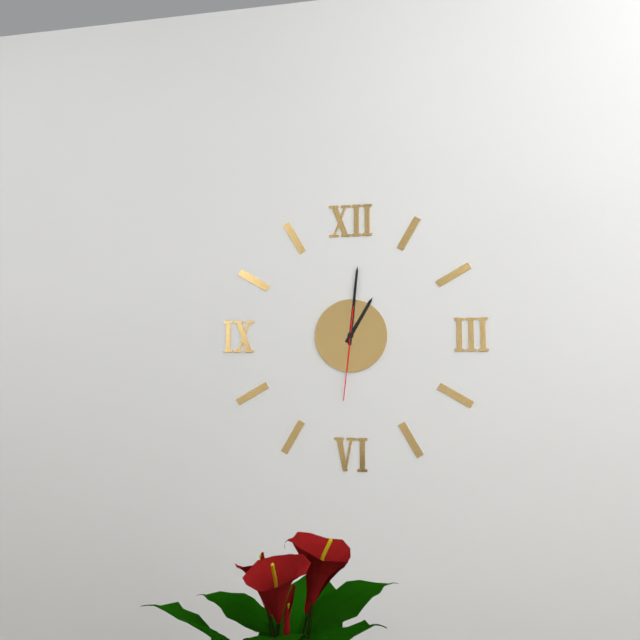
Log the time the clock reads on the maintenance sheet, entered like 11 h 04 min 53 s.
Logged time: 1 h 01 min 31 s
